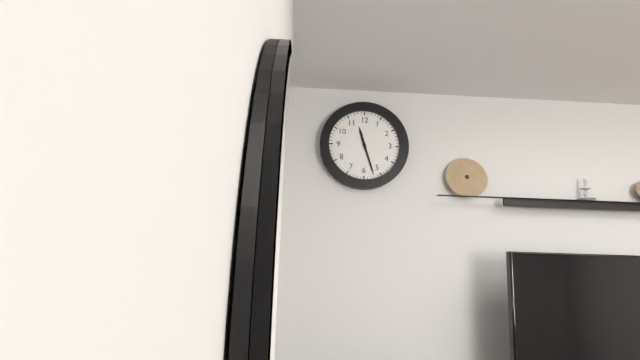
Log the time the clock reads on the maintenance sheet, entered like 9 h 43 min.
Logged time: 11 h 27 min
